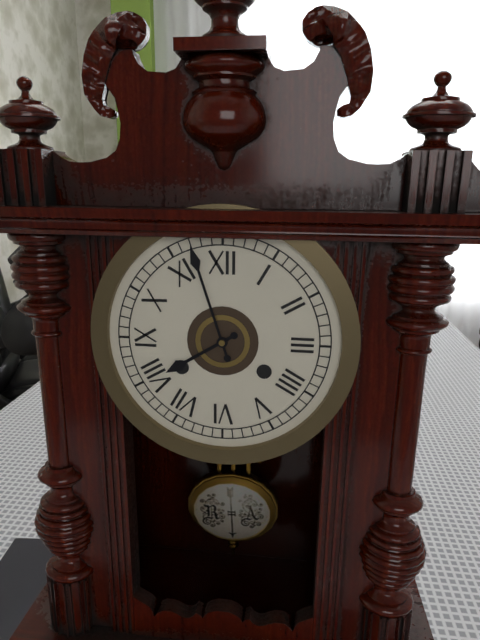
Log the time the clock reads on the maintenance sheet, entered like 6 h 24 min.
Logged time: 7 h 57 min
